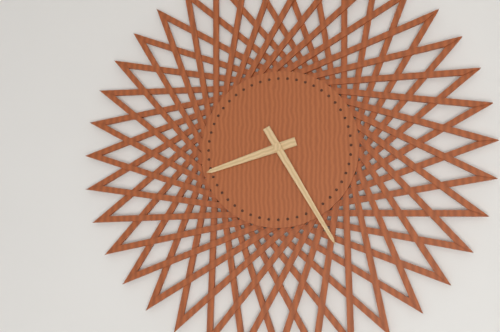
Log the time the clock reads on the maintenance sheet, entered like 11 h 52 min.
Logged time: 8 h 25 min
